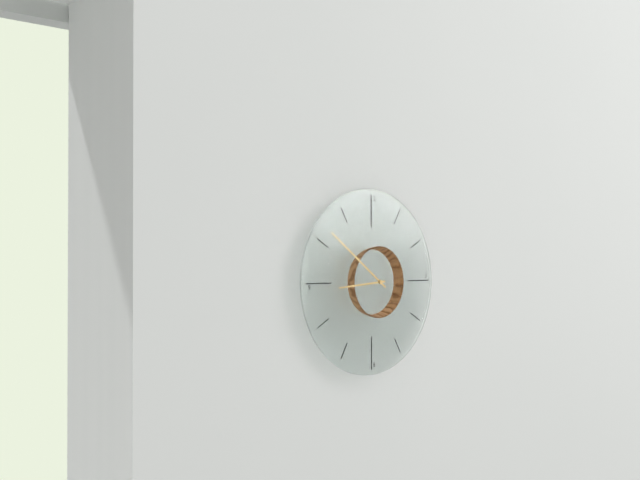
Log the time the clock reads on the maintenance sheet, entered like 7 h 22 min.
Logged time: 8 h 51 min
